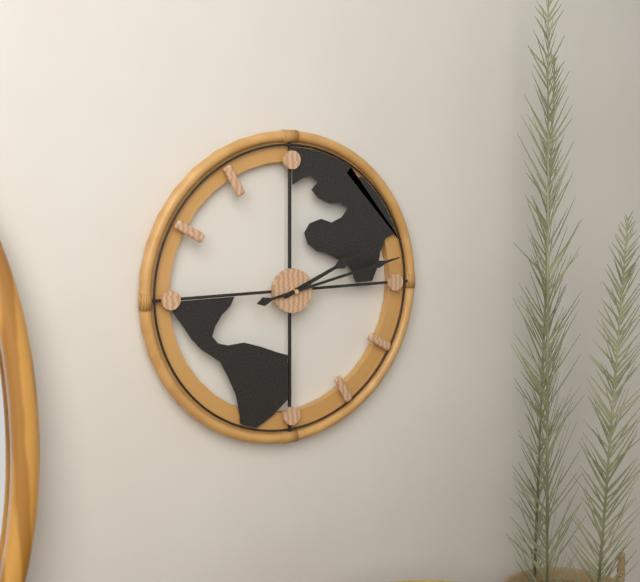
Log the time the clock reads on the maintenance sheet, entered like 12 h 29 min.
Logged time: 2 h 13 min
